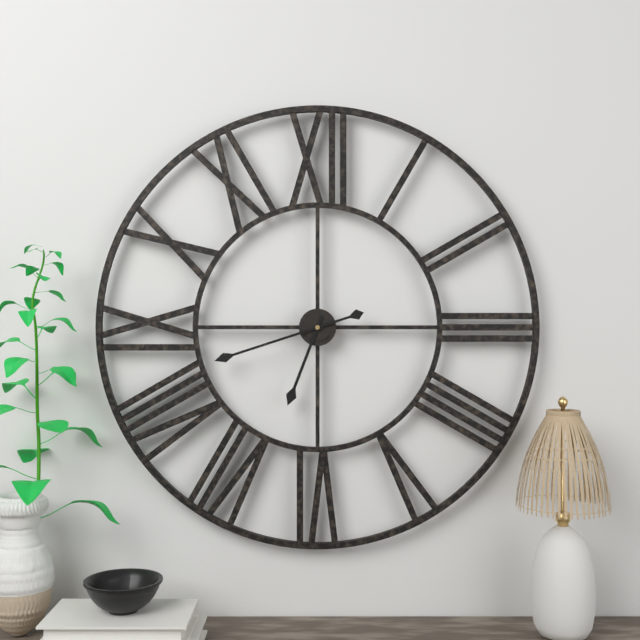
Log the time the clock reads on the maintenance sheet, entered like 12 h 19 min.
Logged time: 6 h 42 min
